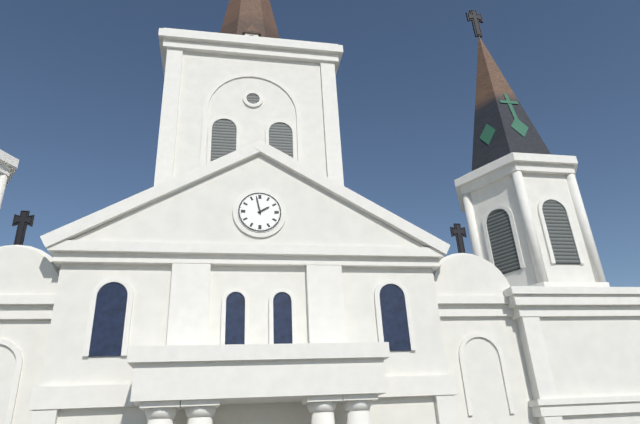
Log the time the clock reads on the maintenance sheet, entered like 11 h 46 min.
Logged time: 1 h 58 min
